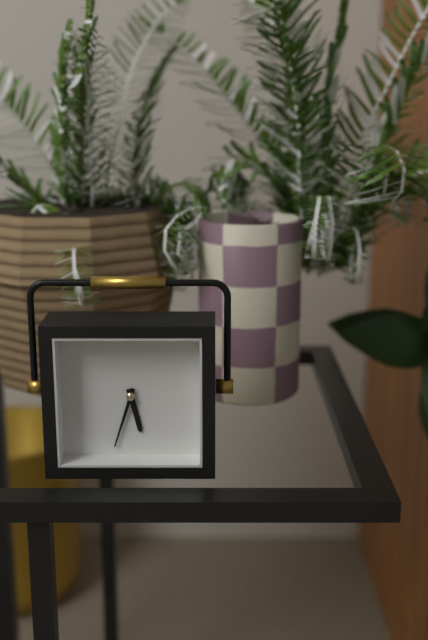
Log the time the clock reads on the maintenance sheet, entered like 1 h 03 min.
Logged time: 5 h 33 min
